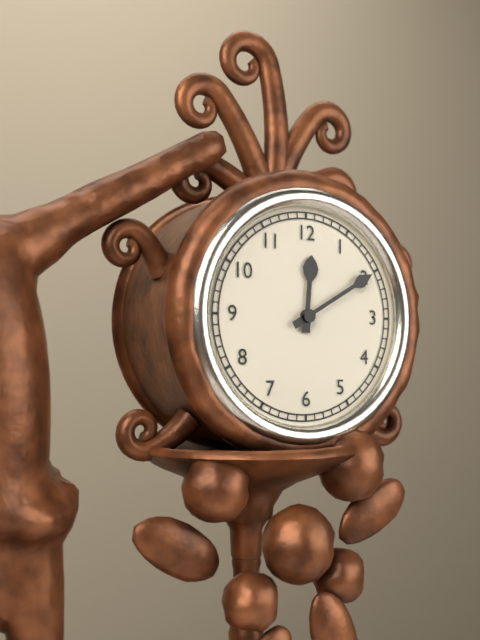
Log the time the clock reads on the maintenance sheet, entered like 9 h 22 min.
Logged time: 12 h 10 min
